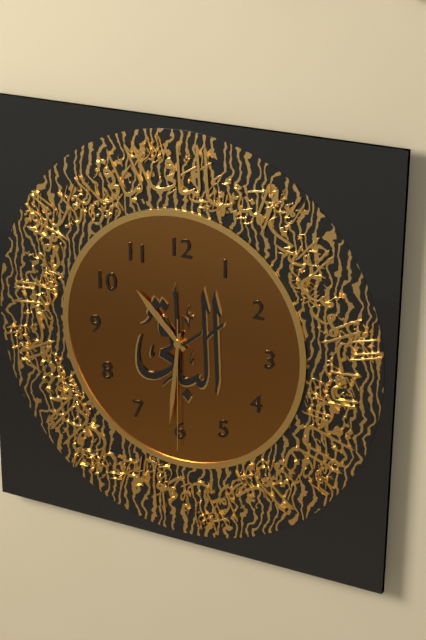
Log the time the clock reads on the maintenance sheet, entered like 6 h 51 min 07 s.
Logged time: 10 h 31 min 30 s
